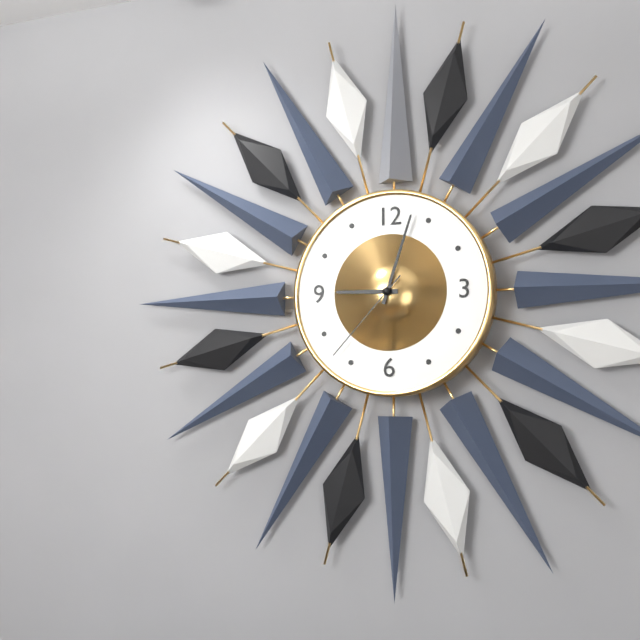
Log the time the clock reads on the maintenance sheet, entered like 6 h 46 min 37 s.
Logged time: 9 h 03 min 37 s
